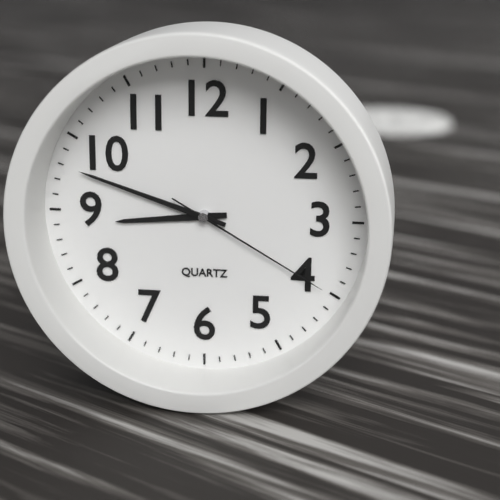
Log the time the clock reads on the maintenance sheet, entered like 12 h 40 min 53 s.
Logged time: 8 h 48 min 20 s
